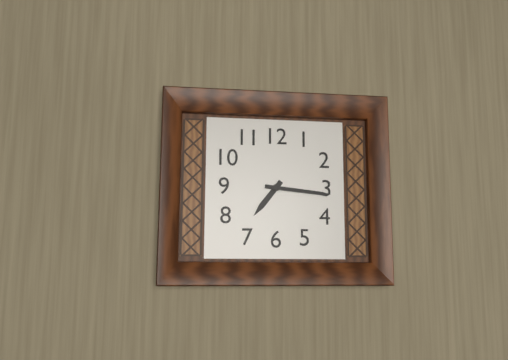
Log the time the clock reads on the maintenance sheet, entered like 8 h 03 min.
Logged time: 7 h 16 min
